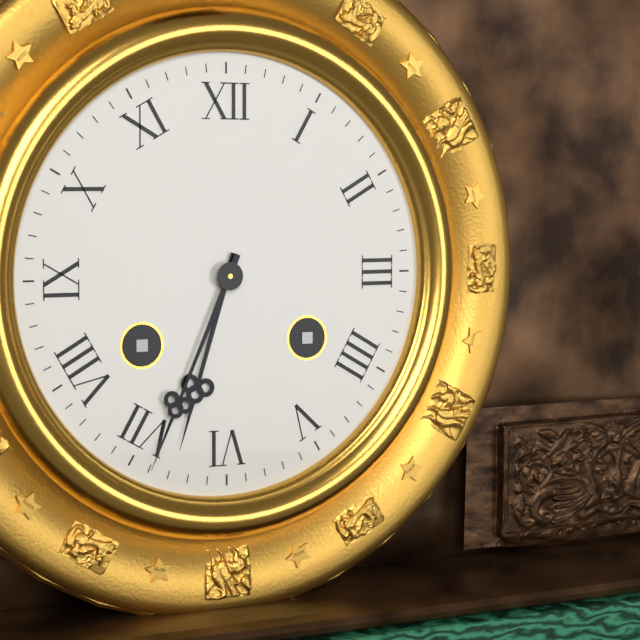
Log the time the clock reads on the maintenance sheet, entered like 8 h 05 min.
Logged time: 6 h 34 min
